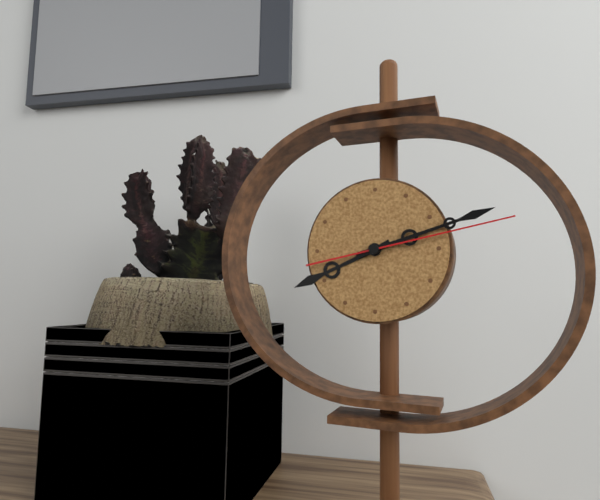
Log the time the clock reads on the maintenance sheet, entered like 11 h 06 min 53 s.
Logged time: 8 h 12 min 13 s
